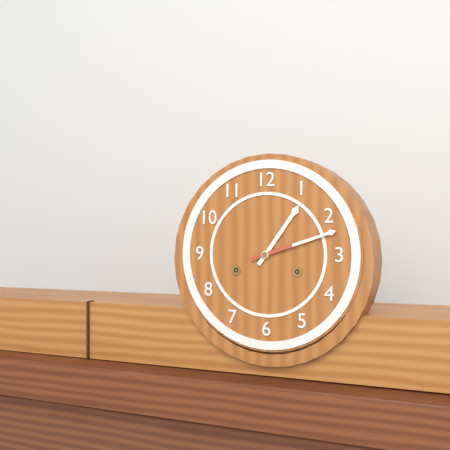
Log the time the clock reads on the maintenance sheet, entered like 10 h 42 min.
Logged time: 1 h 12 min
